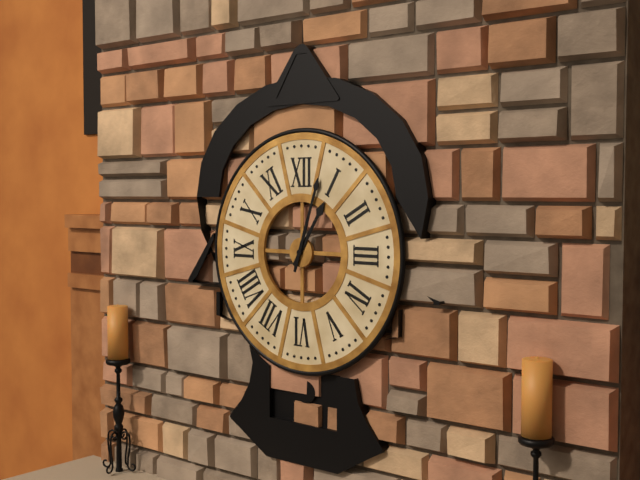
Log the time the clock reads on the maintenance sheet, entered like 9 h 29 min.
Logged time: 1 h 03 min
